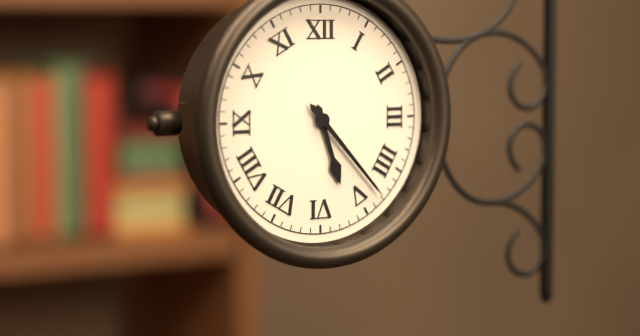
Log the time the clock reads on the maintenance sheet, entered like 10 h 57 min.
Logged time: 5 h 23 min
